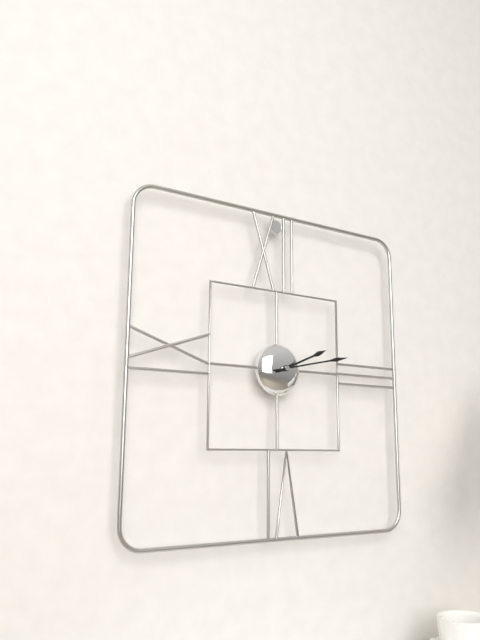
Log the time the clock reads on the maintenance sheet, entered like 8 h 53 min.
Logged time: 2 h 13 min
